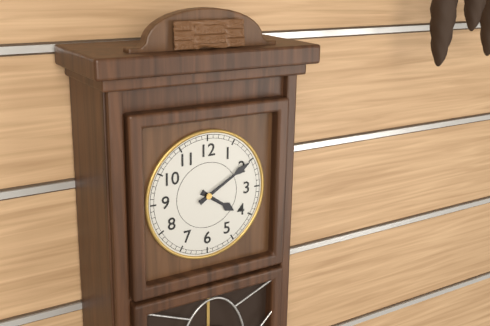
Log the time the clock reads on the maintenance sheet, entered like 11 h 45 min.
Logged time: 4 h 10 min
